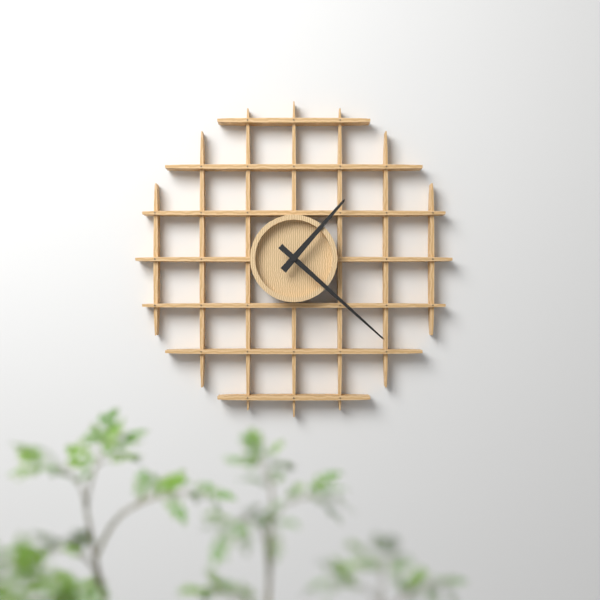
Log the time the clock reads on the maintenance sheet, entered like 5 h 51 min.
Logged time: 1 h 22 min
